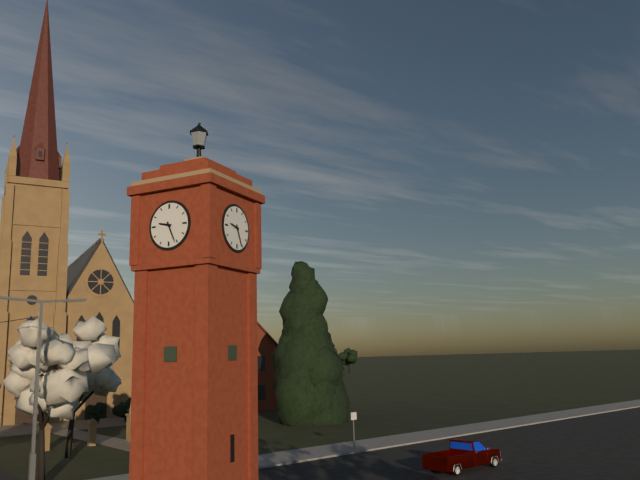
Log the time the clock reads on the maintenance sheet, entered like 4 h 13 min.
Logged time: 9 h 26 min
